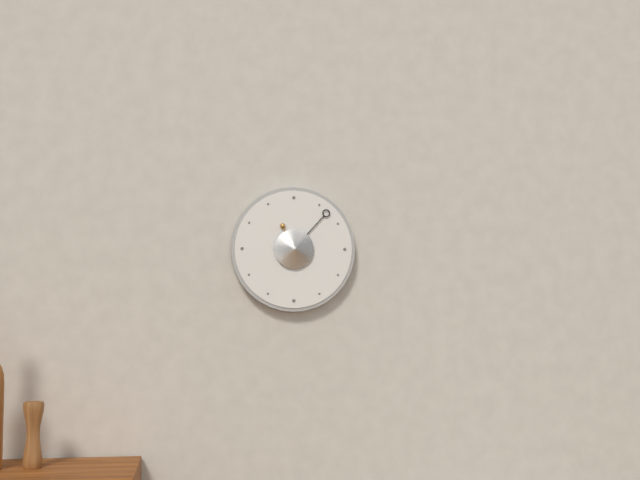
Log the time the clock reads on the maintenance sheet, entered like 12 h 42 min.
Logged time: 11 h 07 min
